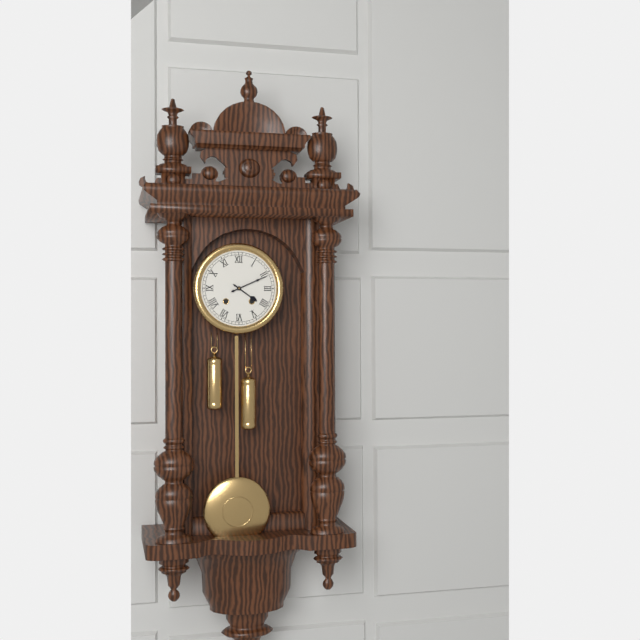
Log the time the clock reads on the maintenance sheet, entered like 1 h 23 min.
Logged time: 4 h 11 min
